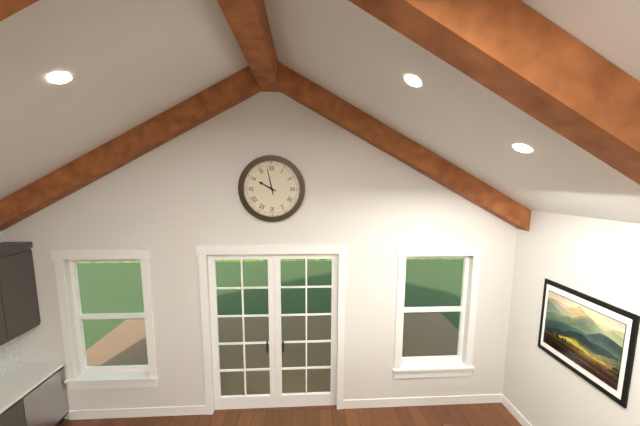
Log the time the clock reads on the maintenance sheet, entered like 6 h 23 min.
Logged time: 9 h 58 min
